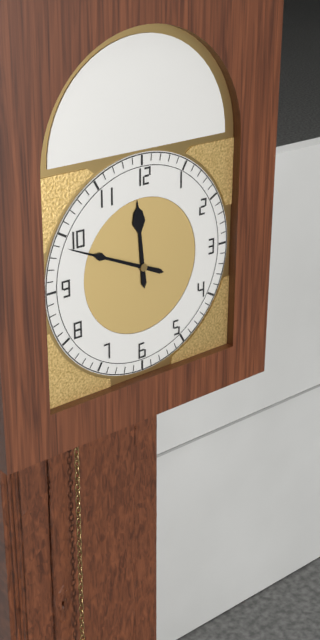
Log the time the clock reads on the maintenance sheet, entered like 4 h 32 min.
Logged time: 11 h 49 min
